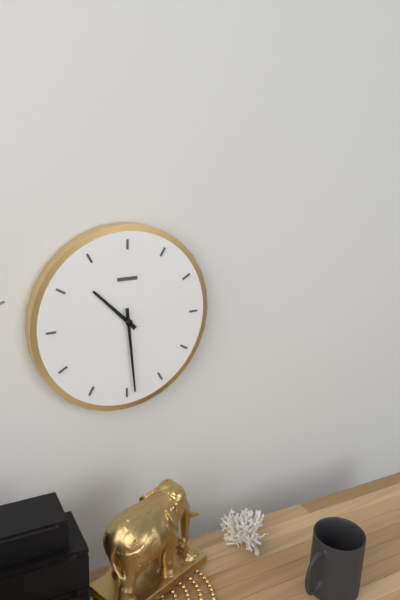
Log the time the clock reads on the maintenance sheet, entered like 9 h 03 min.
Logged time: 10 h 29 min
